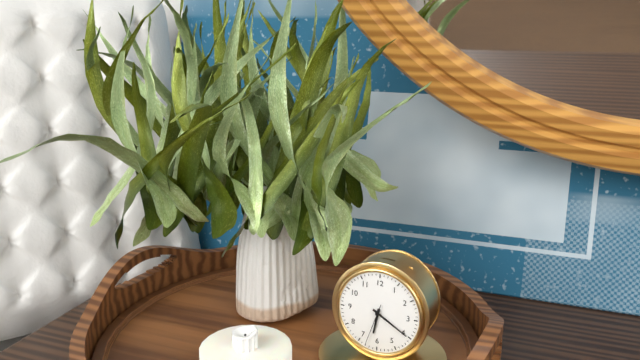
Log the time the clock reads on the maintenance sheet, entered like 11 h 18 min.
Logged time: 6 h 20 min
